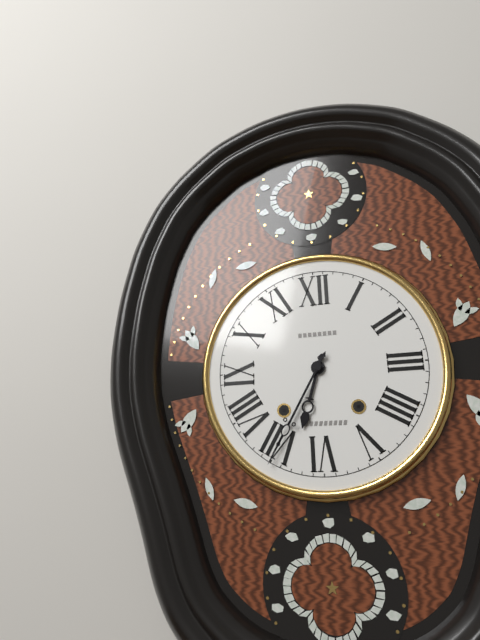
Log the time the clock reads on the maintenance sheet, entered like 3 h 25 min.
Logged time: 6 h 35 min
